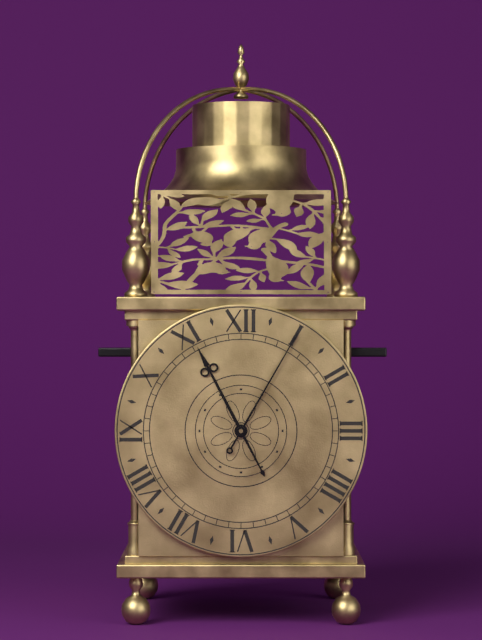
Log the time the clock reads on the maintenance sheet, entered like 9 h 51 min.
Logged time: 11 h 05 min
